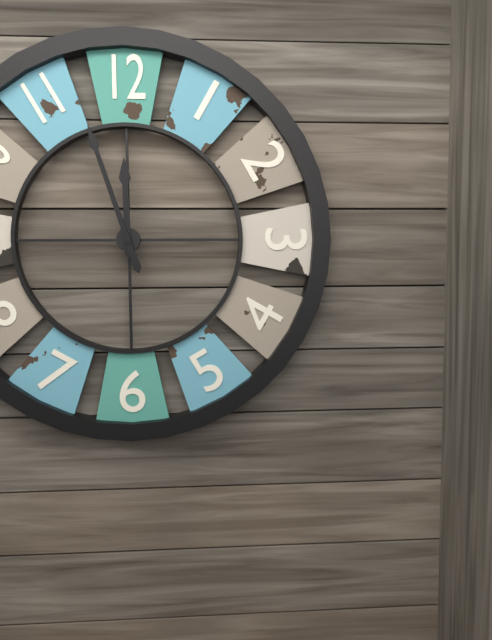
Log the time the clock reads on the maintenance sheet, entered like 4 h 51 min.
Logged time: 11 h 57 min
